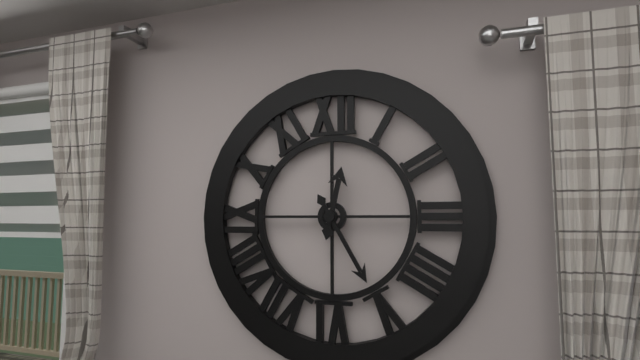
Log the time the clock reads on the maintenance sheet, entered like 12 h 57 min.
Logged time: 12 h 25 min
